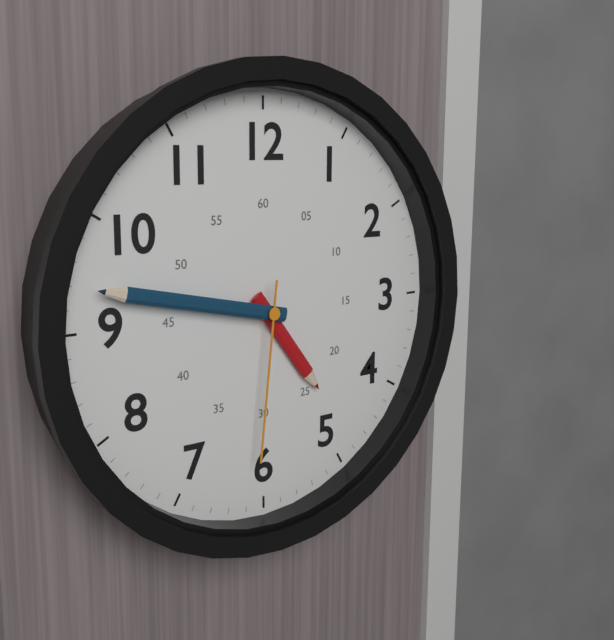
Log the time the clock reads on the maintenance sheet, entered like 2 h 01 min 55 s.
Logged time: 4 h 47 min 31 s
